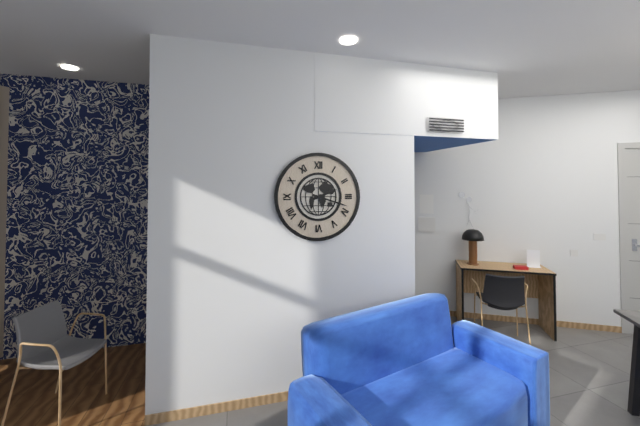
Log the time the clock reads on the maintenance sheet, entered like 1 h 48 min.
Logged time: 2 h 18 min
